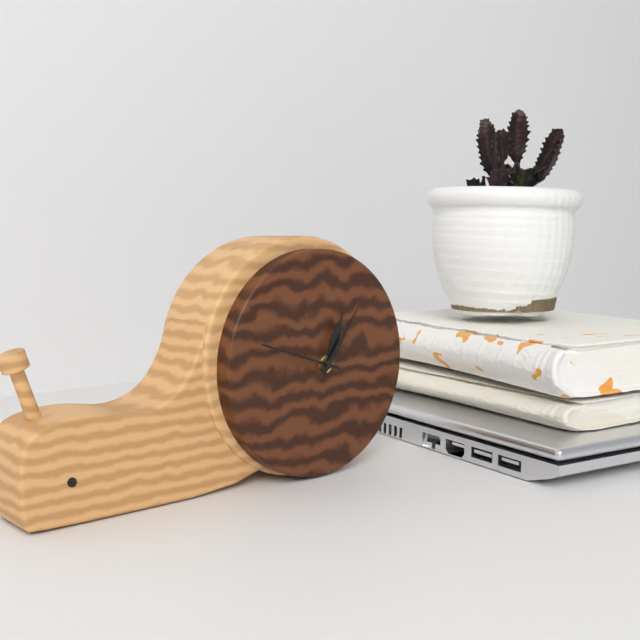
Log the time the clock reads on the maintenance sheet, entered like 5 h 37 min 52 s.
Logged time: 12 h 48 min 06 s
